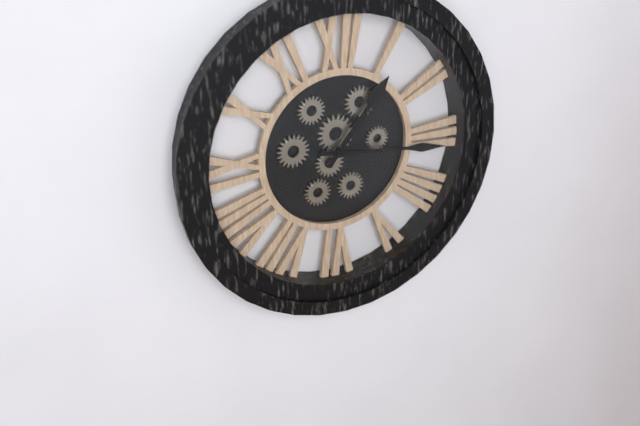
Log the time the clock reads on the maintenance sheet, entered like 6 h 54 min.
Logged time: 1 h 16 min
